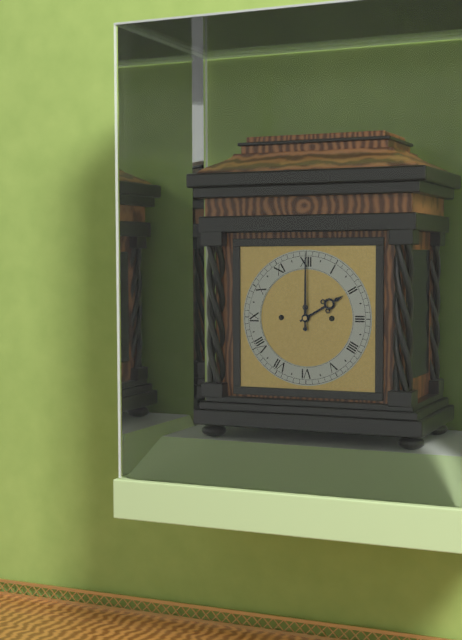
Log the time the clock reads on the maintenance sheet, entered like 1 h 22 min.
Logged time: 2 h 00 min
